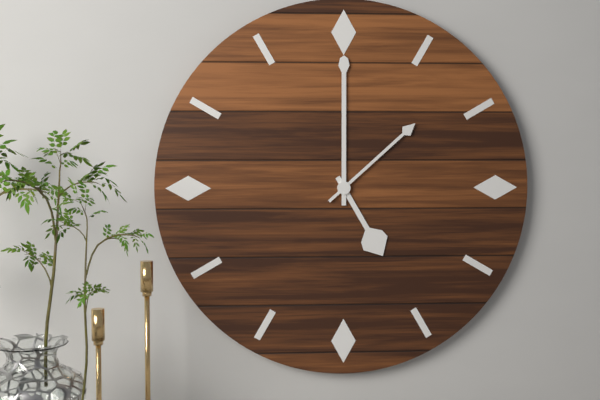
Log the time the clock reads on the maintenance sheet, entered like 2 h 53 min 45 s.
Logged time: 5 h 00 min 08 s
